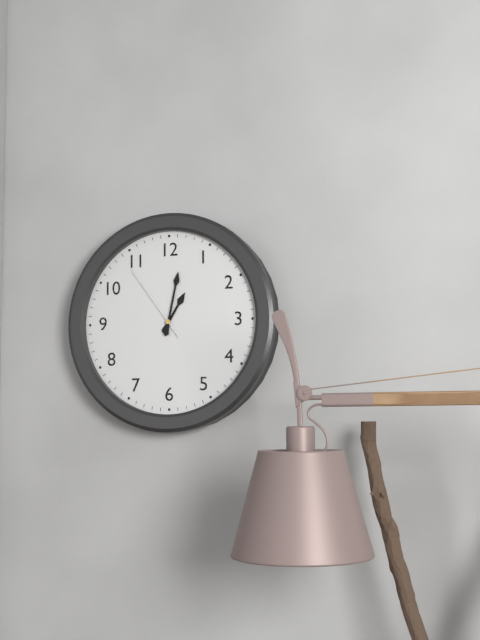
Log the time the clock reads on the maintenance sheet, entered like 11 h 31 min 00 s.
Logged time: 1 h 02 min 54 s
